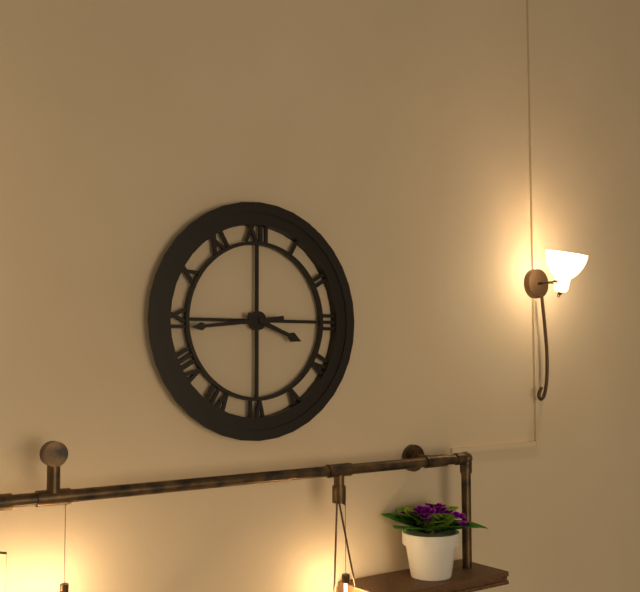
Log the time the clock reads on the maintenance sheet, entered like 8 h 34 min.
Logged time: 3 h 44 min
